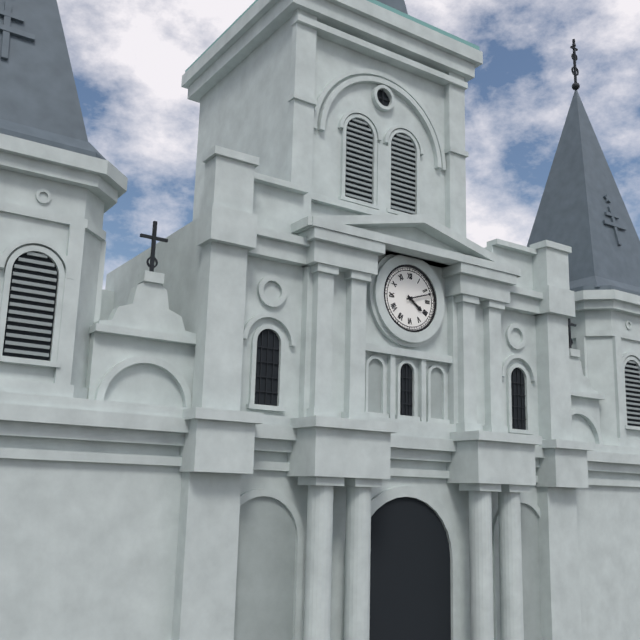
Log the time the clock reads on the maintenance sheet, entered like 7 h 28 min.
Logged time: 4 h 12 min
